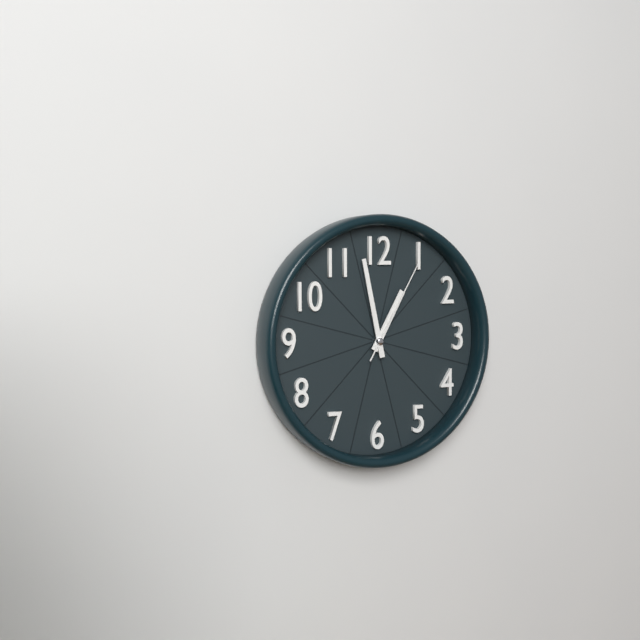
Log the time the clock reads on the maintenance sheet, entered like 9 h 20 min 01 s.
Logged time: 12 h 58 min 05 s
